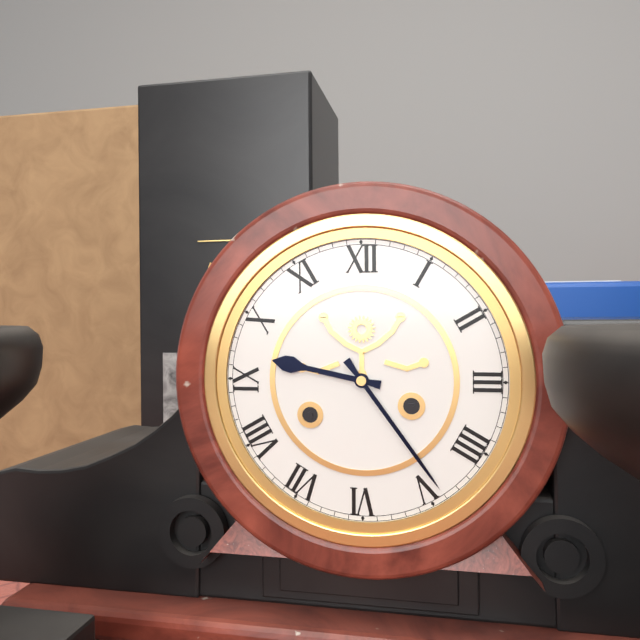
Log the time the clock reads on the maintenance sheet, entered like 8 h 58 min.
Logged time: 9 h 24 min
